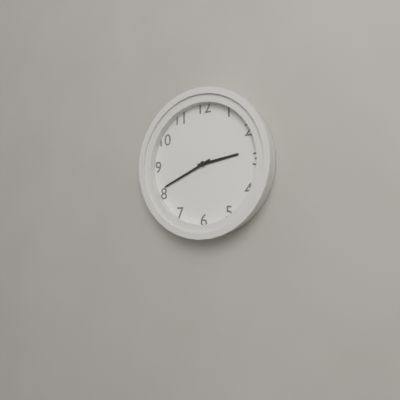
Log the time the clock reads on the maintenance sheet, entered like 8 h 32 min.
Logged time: 2 h 41 min
